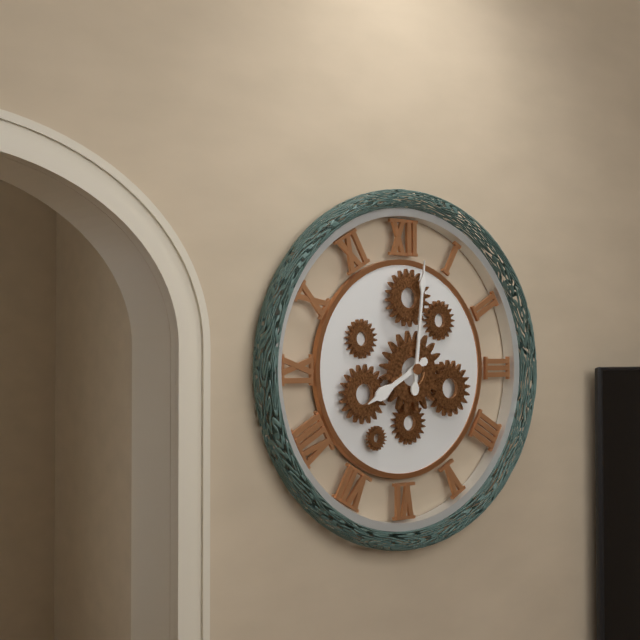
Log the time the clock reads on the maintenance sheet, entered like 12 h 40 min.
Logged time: 8 h 01 min
